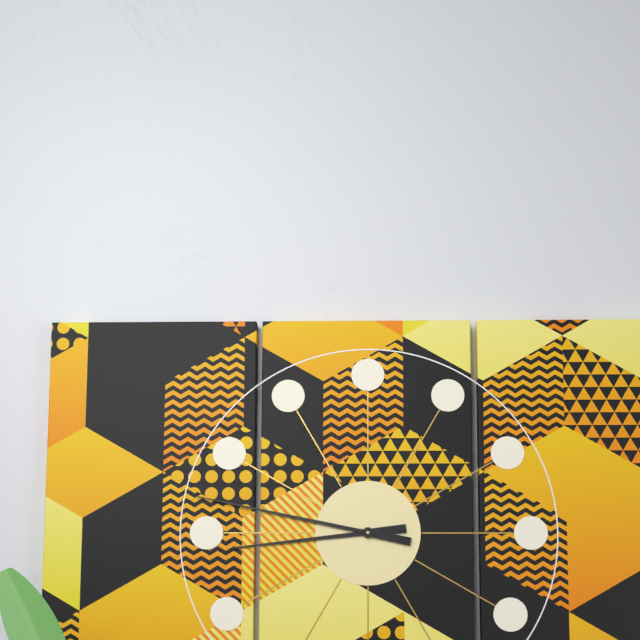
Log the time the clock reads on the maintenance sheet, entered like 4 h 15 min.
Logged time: 8 h 47 min
